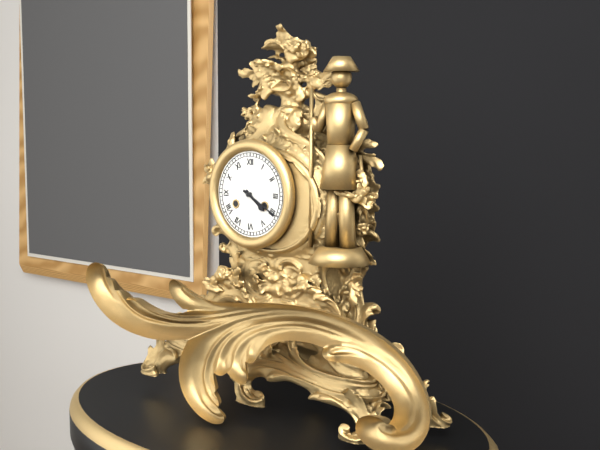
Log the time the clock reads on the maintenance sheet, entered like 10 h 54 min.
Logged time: 4 h 20 min
